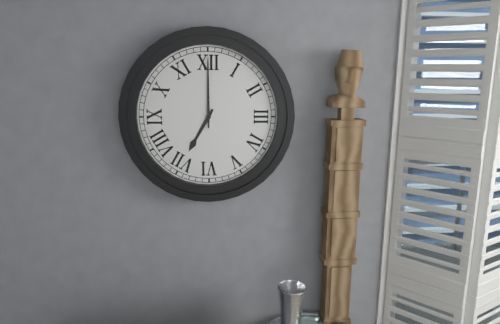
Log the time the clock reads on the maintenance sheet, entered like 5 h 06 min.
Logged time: 7 h 00 min
